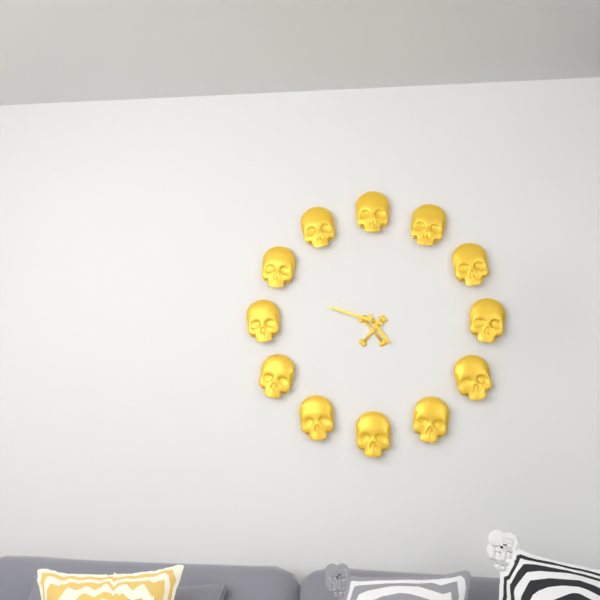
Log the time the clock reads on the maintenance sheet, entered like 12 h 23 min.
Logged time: 4 h 48 min
